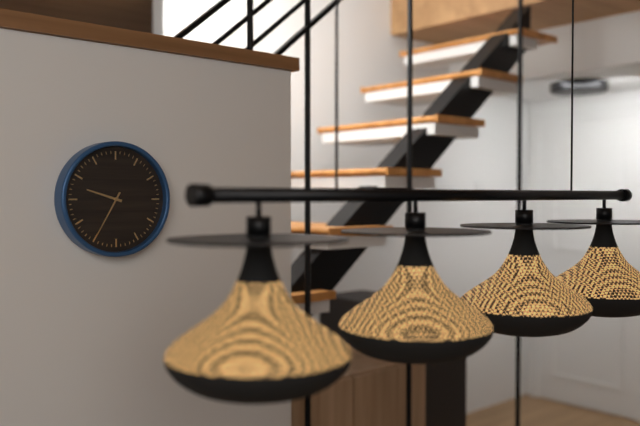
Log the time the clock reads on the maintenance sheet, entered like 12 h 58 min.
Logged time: 9 h 35 min
